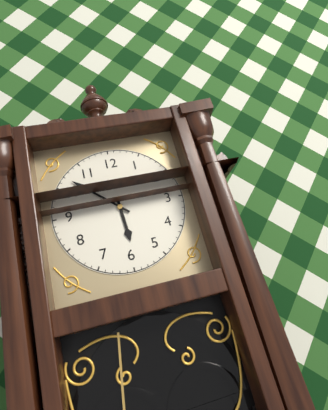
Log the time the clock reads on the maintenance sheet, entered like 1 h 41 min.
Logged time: 5 h 52 min
